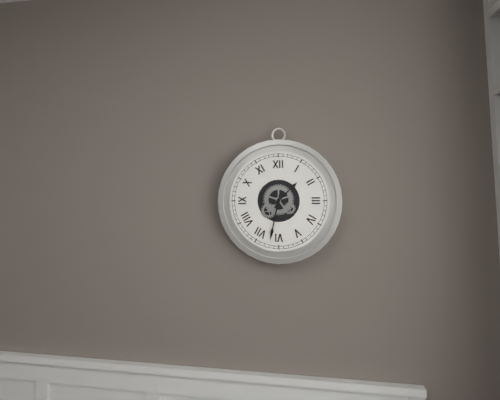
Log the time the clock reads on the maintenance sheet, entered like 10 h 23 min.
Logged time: 1 h 32 min
